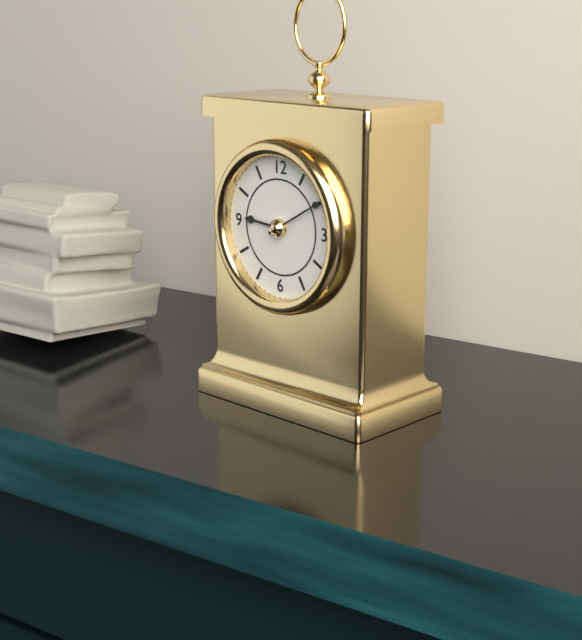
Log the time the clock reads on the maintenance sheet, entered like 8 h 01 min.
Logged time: 9 h 10 min
